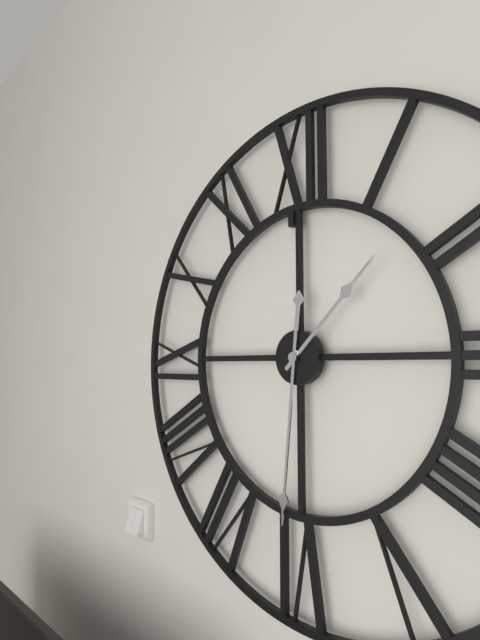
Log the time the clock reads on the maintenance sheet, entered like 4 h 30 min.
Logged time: 1 h 31 min
